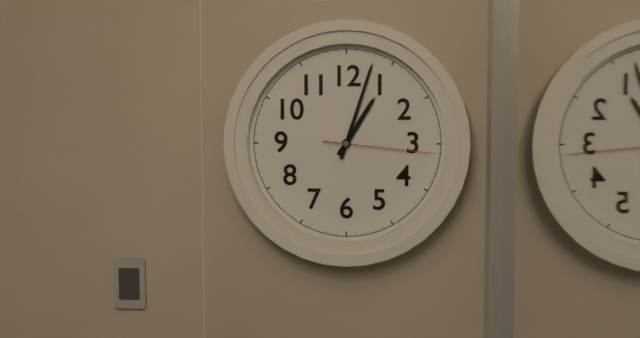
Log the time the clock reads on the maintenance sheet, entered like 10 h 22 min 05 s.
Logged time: 1 h 03 min 16 s
